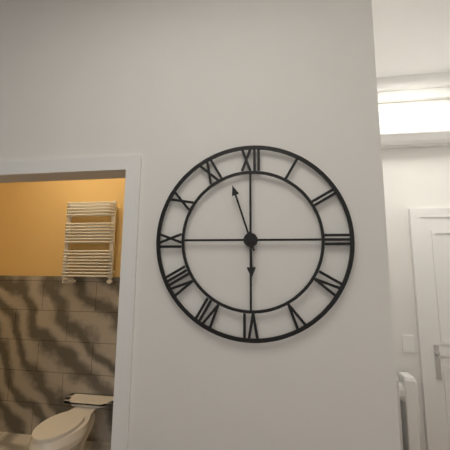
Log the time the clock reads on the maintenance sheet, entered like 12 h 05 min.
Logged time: 5 h 57 min
